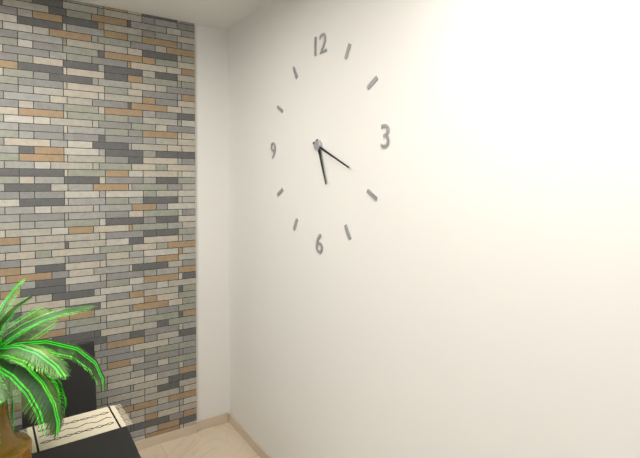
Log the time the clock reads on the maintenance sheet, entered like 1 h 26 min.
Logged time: 5 h 19 min
